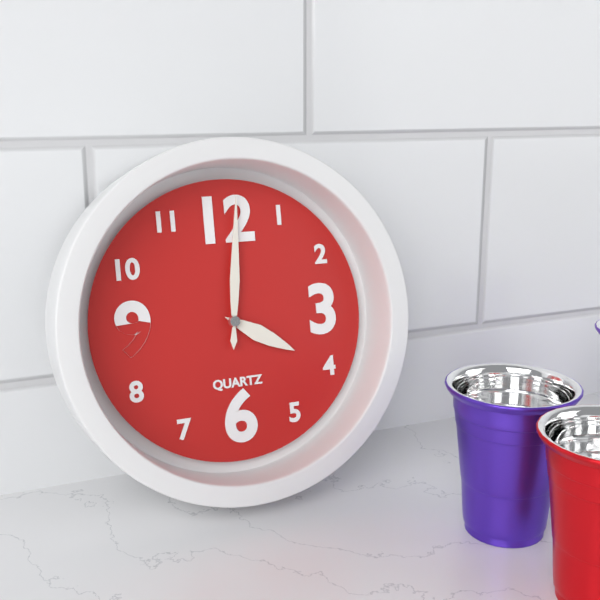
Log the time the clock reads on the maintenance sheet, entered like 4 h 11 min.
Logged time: 4 h 01 min
